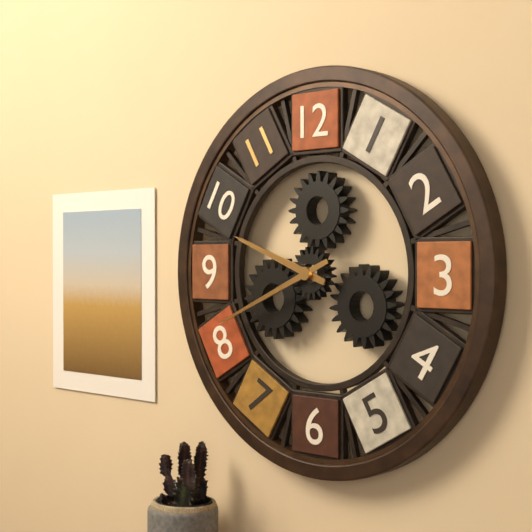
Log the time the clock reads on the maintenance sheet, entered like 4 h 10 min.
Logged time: 9 h 41 min
